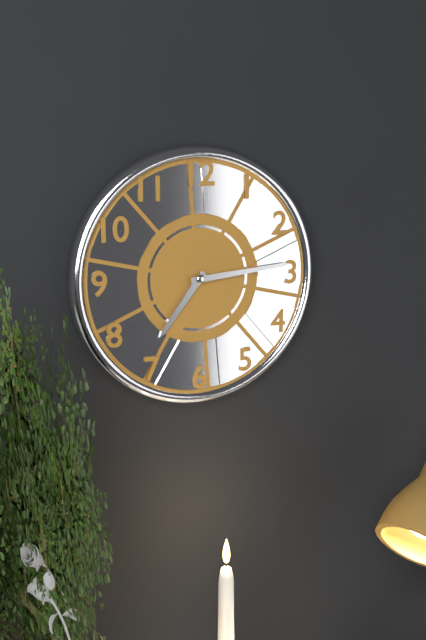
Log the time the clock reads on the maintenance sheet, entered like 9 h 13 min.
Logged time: 7 h 14 min
